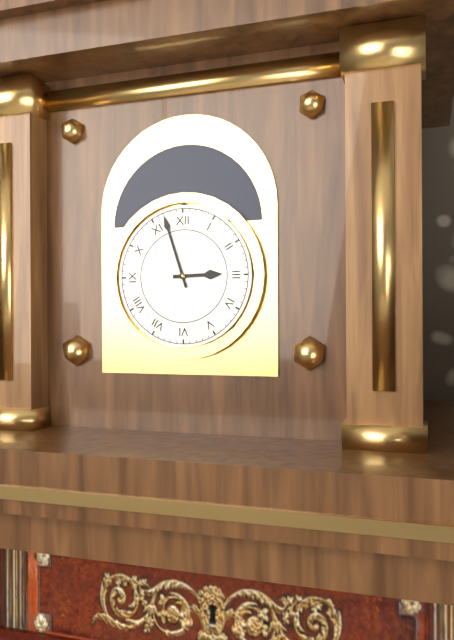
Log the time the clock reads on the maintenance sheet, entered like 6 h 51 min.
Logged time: 2 h 57 min
